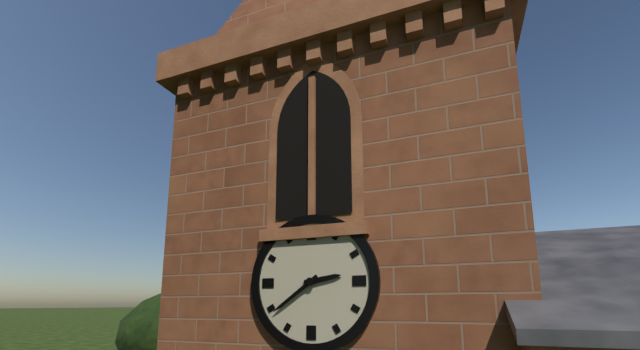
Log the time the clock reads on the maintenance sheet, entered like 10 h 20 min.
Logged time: 2 h 39 min
